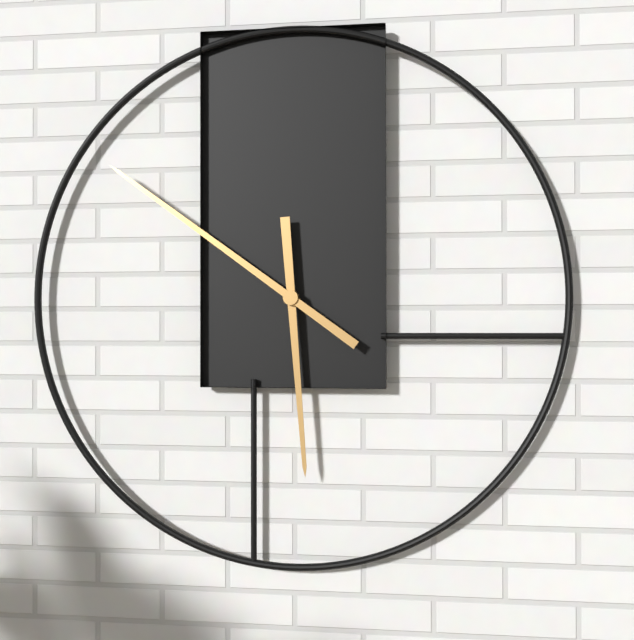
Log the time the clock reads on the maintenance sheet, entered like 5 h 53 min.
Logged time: 5 h 51 min
